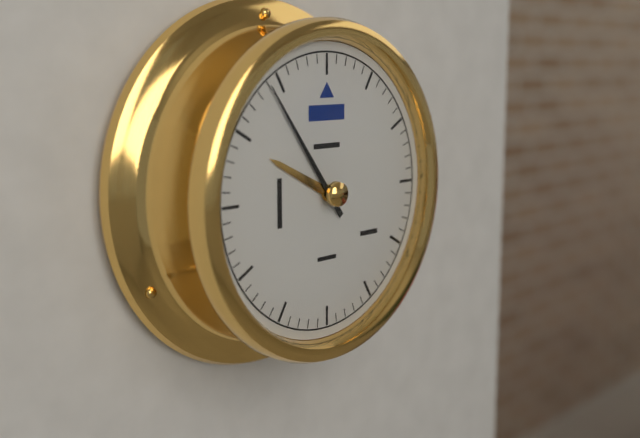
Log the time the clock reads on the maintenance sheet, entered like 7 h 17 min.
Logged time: 9 h 54 min
